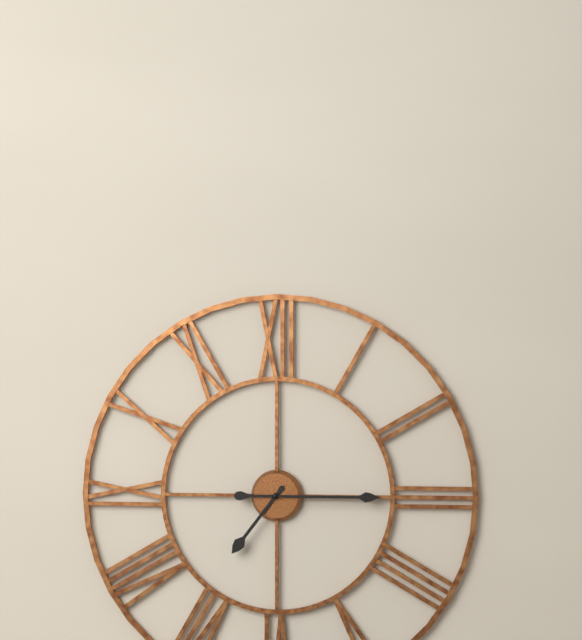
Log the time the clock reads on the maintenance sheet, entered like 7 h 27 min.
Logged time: 7 h 15 min
